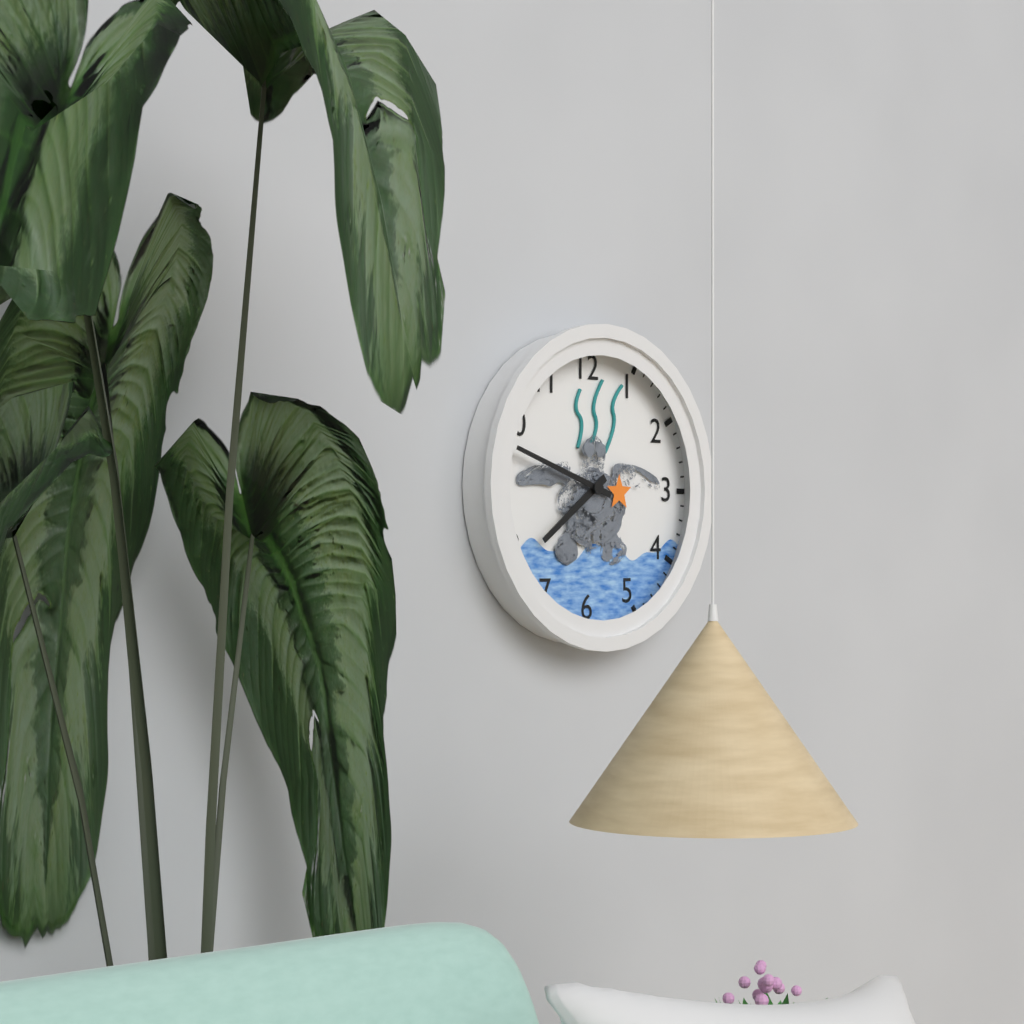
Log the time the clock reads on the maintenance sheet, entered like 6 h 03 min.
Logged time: 7 h 48 min
